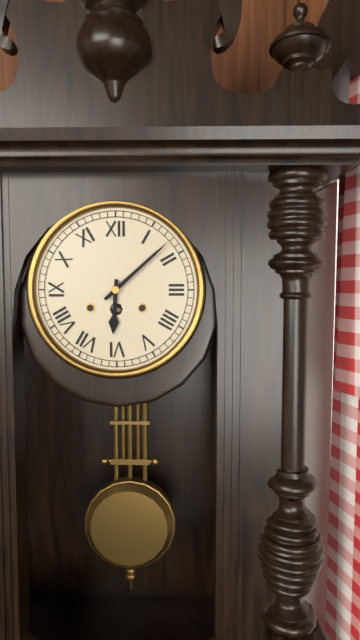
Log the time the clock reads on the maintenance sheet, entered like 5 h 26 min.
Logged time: 6 h 08 min
